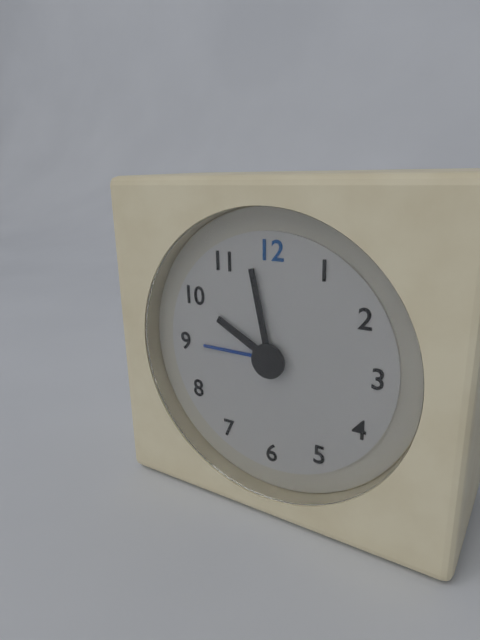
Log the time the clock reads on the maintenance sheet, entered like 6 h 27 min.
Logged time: 9 h 58 min
